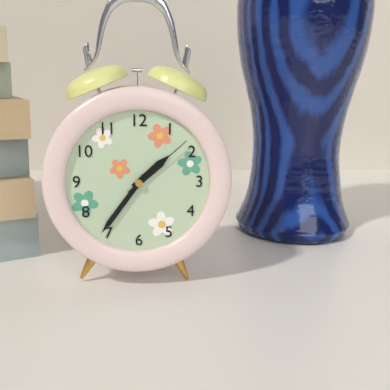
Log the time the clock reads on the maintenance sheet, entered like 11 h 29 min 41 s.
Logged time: 1 h 36 min 08 s
